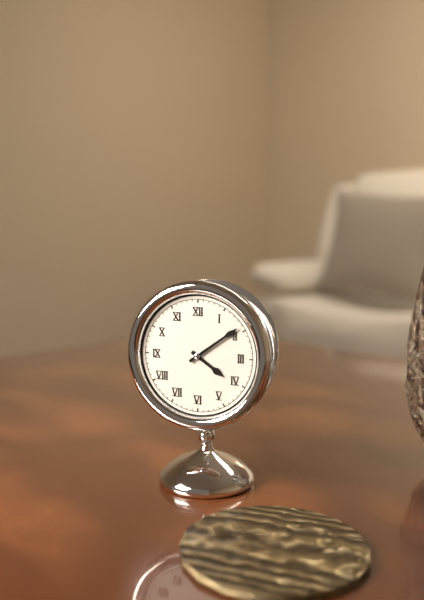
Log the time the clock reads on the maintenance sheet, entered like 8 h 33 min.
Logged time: 4 h 09 min
